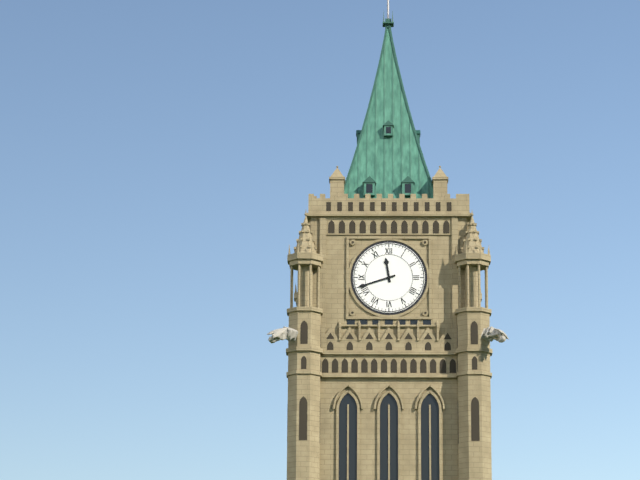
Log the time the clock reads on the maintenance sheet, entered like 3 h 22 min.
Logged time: 11 h 42 min
